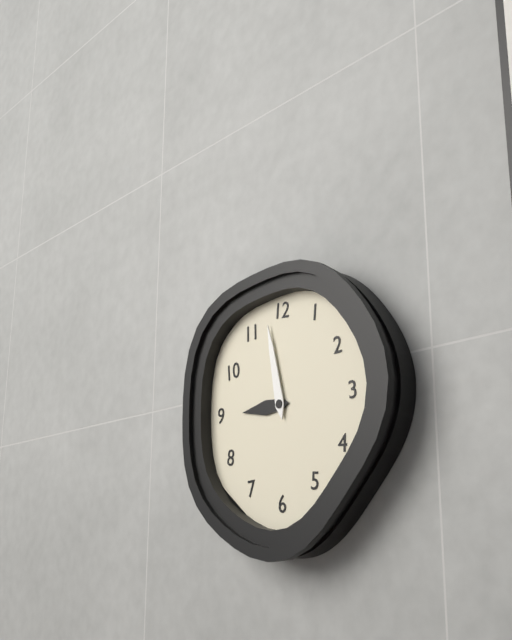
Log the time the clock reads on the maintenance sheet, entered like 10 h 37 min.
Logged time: 8 h 58 min
